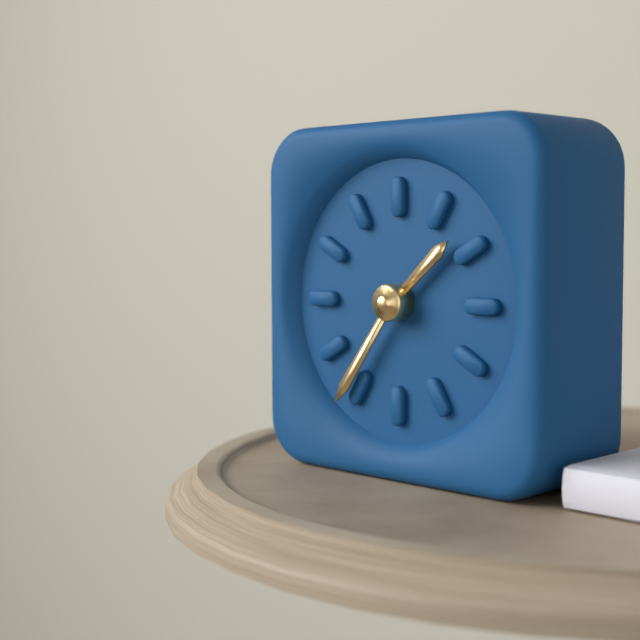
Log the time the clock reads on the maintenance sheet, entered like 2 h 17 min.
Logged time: 1 h 36 min
